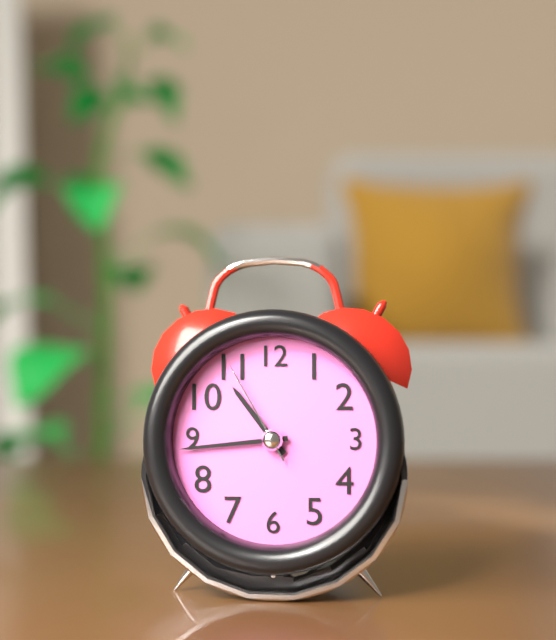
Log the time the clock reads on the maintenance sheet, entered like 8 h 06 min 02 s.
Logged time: 10 h 44 min 55 s
